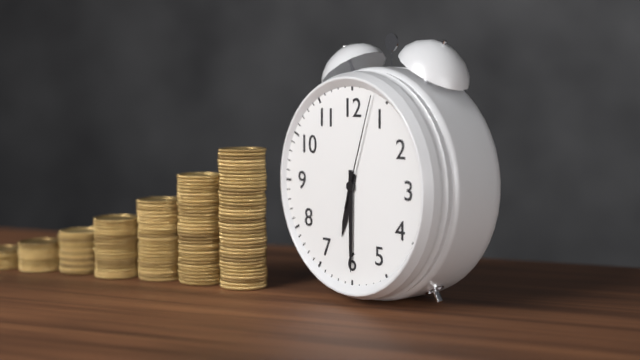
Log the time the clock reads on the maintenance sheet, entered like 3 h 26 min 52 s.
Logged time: 6 h 30 min 03 s
